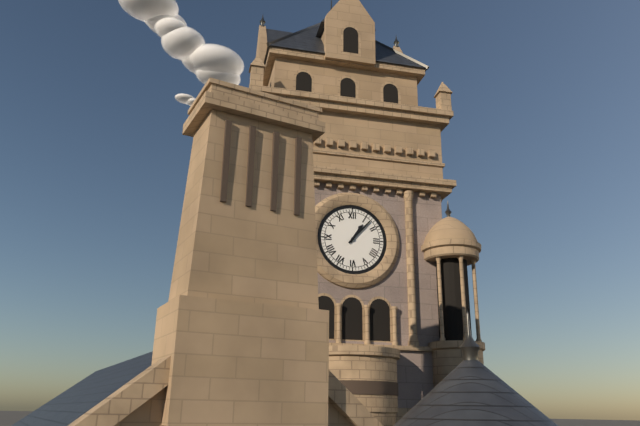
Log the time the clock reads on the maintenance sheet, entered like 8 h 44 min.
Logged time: 1 h 07 min
